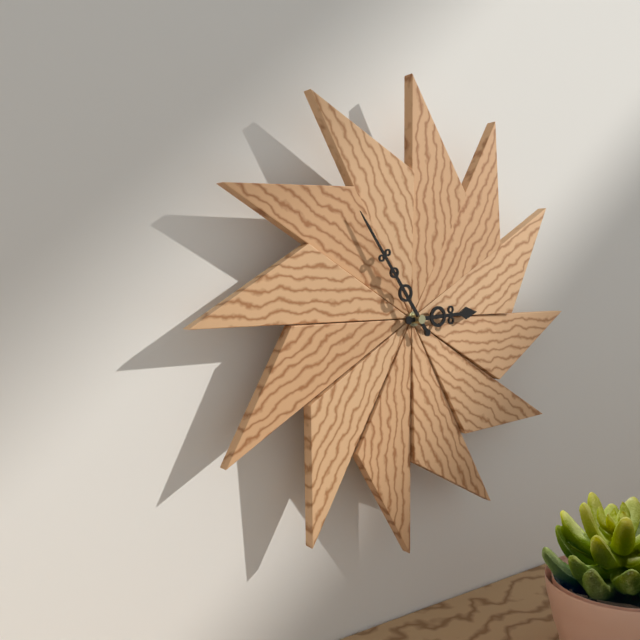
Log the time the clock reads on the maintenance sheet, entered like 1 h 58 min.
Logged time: 2 h 54 min
